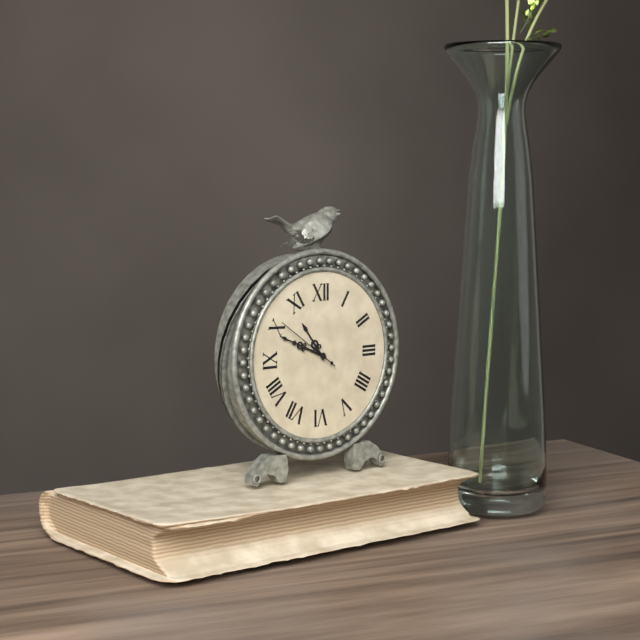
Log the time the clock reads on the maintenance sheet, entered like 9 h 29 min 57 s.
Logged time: 10 h 49 min 51 s
